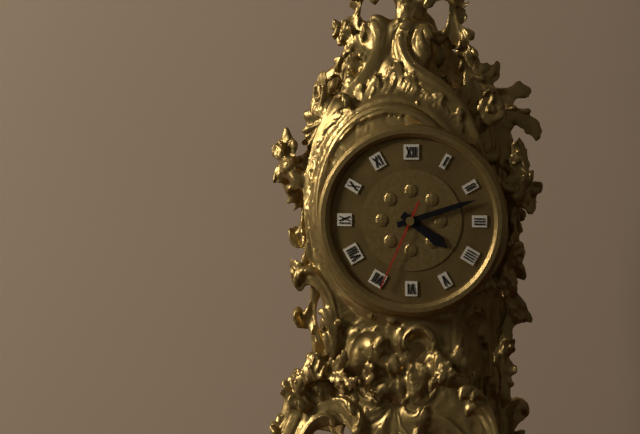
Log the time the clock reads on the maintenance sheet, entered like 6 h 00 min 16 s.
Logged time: 4 h 12 min 34 s
